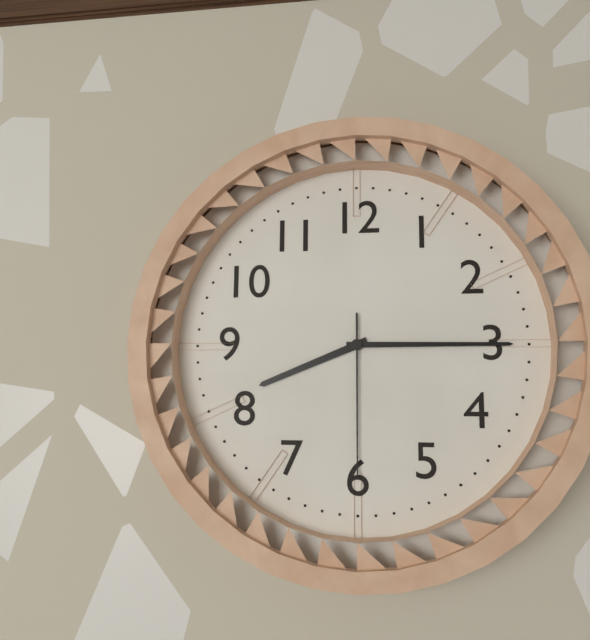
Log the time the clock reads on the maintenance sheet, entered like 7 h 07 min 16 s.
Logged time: 8 h 15 min 30 s
